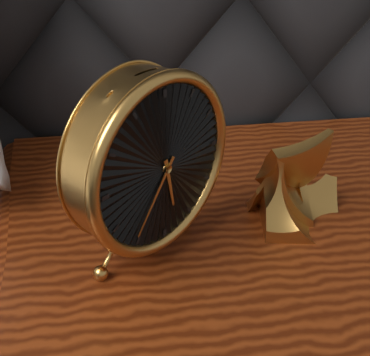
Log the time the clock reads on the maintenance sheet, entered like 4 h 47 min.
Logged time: 5 h 36 min
